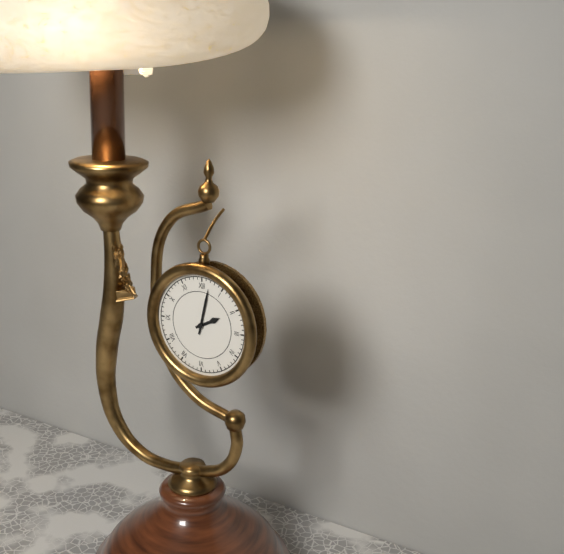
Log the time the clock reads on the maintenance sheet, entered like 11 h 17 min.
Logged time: 2 h 02 min
